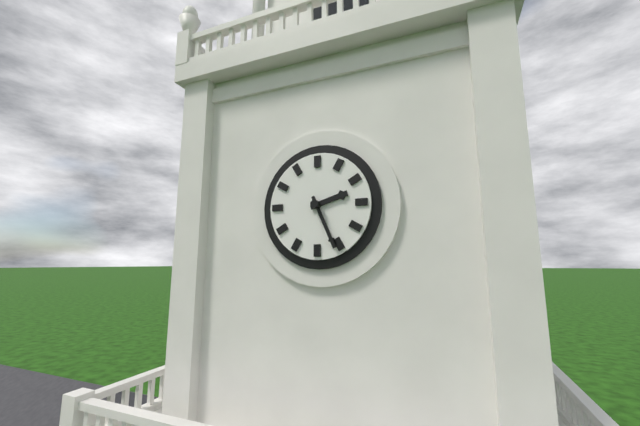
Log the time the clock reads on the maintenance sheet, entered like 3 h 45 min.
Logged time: 2 h 26 min
